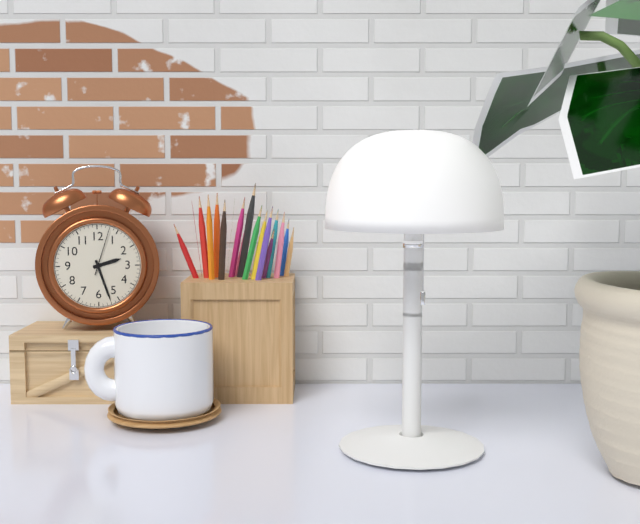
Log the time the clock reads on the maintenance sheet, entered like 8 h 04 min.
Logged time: 2 h 27 min
